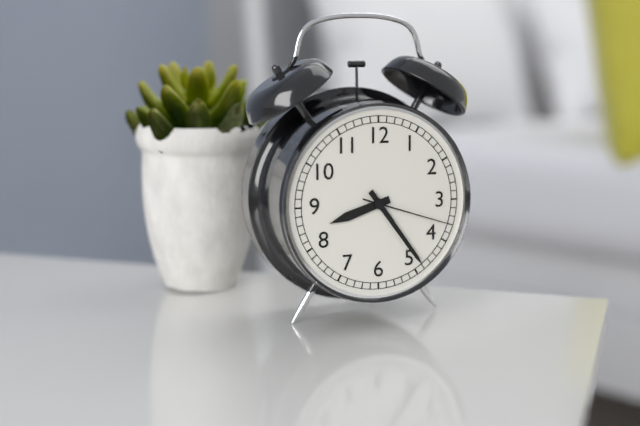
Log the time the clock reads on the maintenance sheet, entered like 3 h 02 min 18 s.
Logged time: 8 h 24 min 18 s
